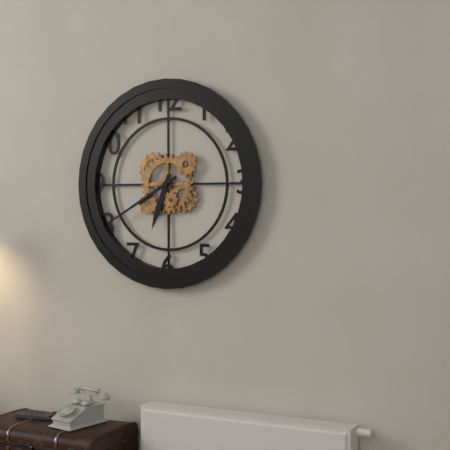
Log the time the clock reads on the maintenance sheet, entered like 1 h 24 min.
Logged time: 6 h 40 min
